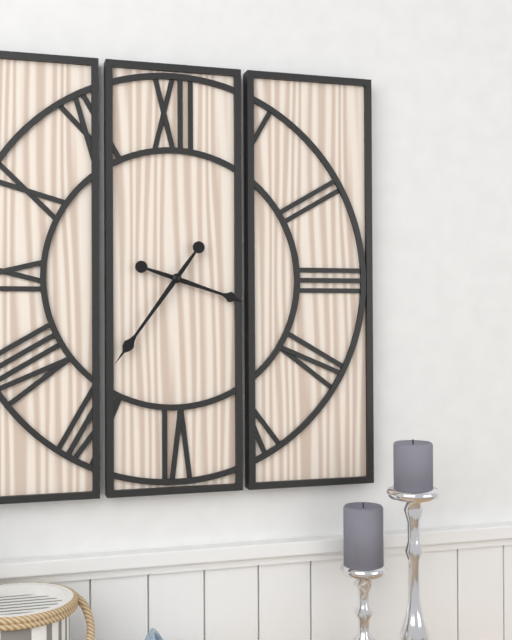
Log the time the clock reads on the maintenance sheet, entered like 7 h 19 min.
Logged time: 3 h 36 min
